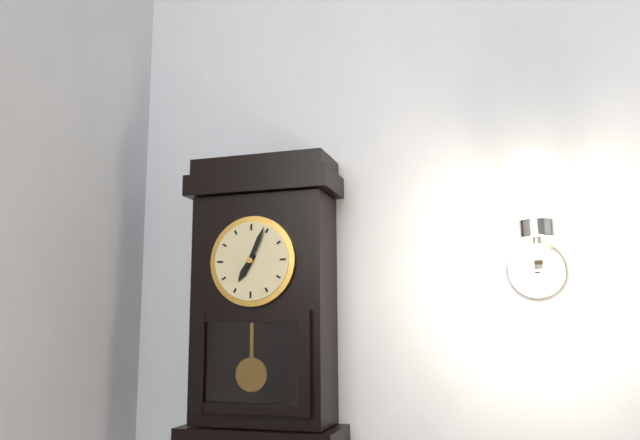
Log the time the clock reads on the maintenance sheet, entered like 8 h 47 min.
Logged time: 7 h 04 min
